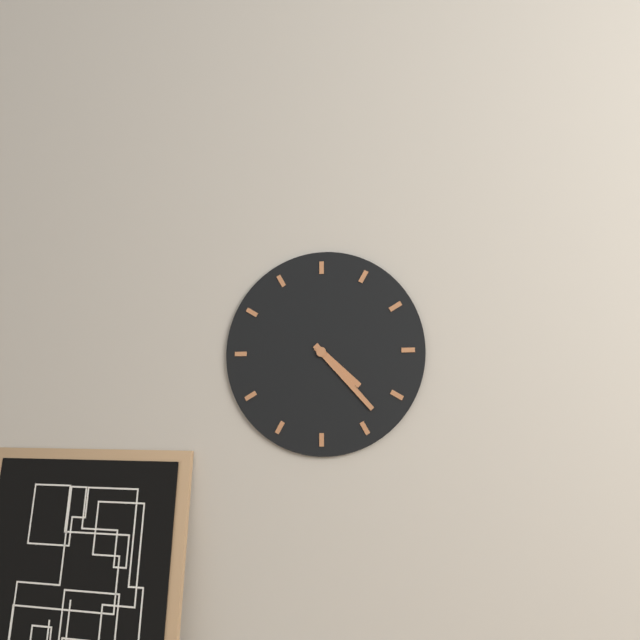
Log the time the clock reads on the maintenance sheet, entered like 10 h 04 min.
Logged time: 4 h 23 min
